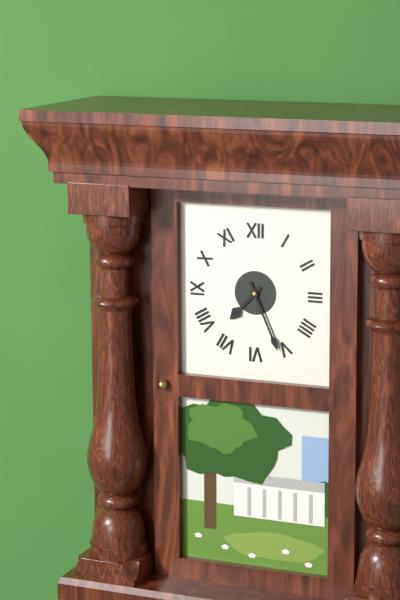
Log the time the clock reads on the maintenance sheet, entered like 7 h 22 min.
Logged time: 7 h 26 min
